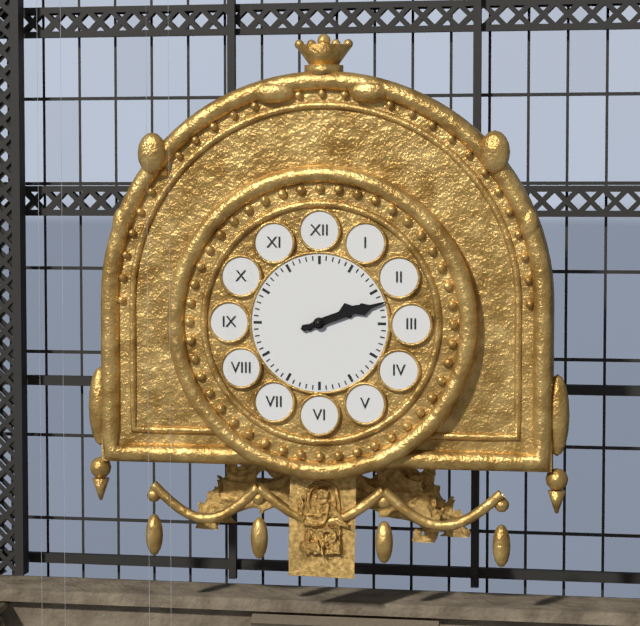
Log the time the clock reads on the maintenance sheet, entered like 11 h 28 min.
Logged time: 2 h 12 min
